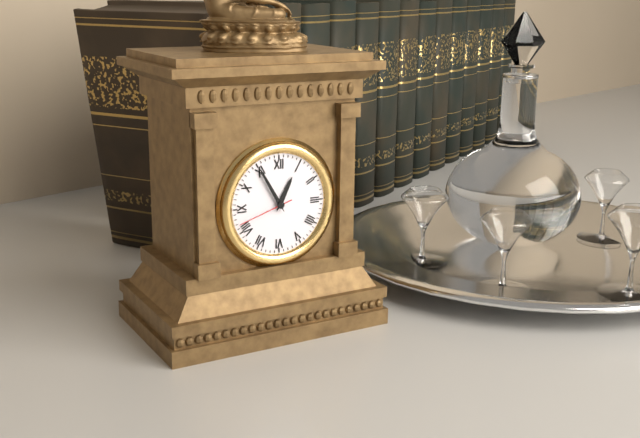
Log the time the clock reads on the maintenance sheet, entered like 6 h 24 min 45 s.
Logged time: 12 h 55 min 42 s
